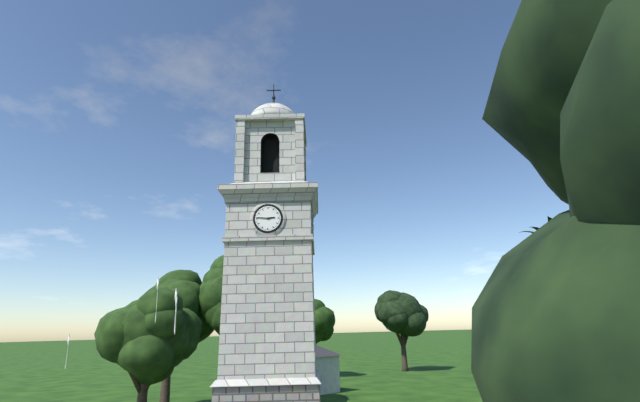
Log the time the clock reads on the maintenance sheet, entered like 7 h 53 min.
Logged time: 2 h 46 min
